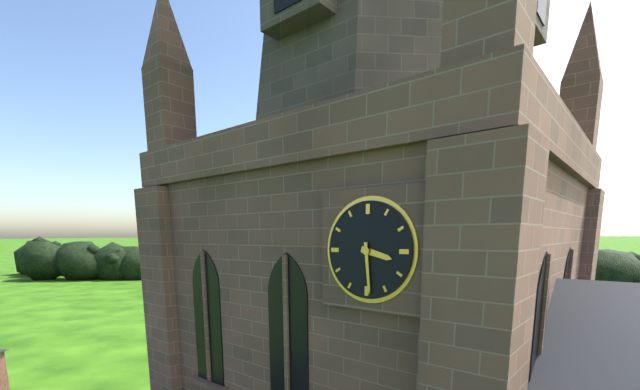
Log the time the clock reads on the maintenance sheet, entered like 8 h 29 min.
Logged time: 3 h 29 min
